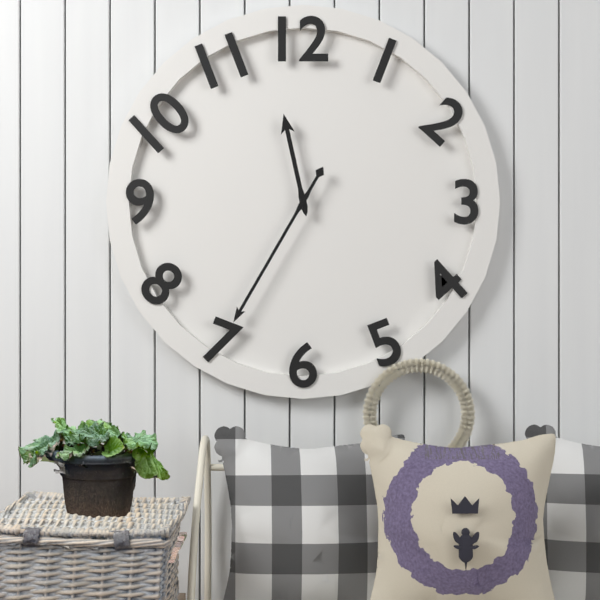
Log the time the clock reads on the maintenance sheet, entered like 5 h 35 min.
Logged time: 11 h 35 min
